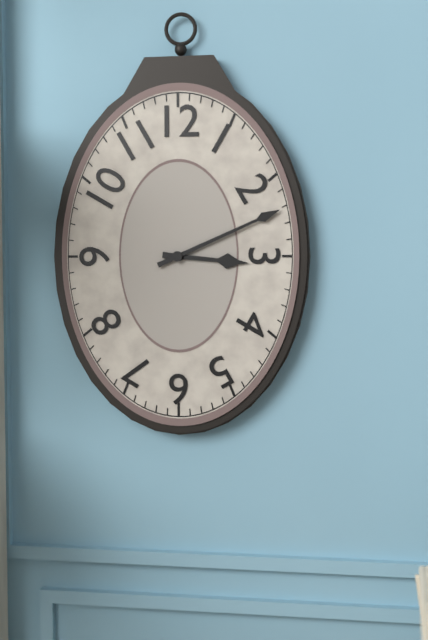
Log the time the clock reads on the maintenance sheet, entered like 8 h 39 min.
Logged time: 3 h 11 min
